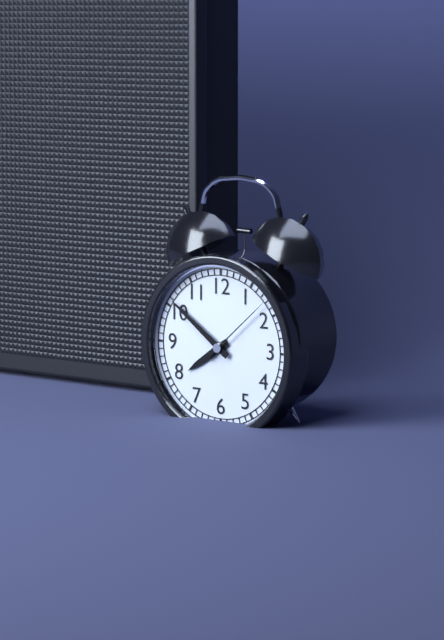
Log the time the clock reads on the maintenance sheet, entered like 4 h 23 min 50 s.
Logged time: 7 h 51 min 08 s
